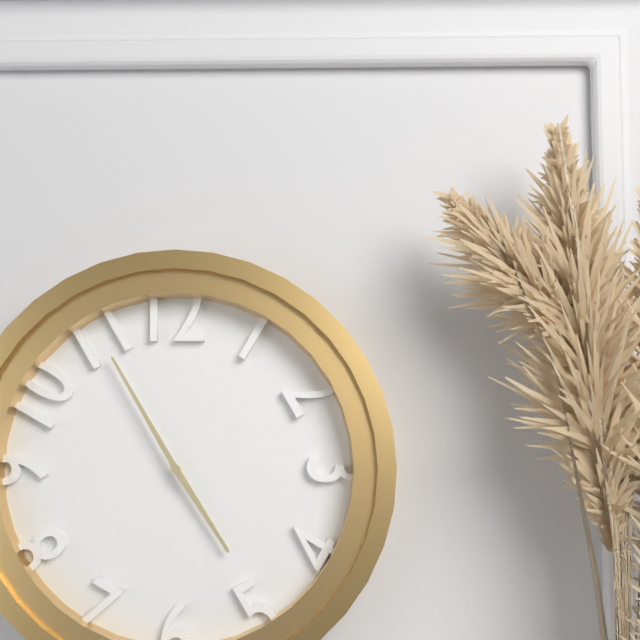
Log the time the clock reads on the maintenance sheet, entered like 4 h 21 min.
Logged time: 4 h 55 min
